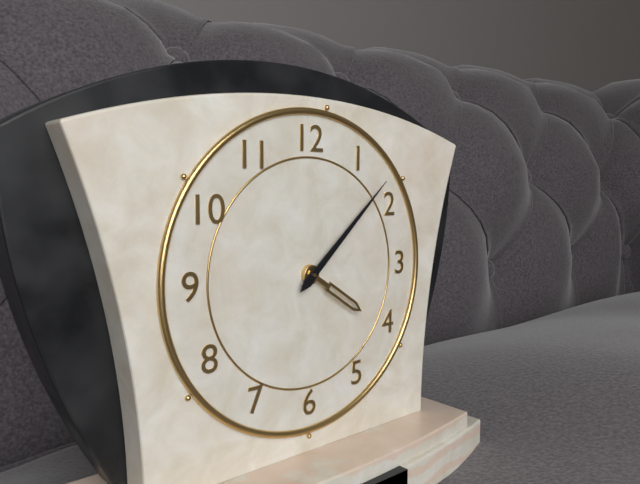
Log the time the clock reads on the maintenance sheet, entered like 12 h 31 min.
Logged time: 4 h 08 min
